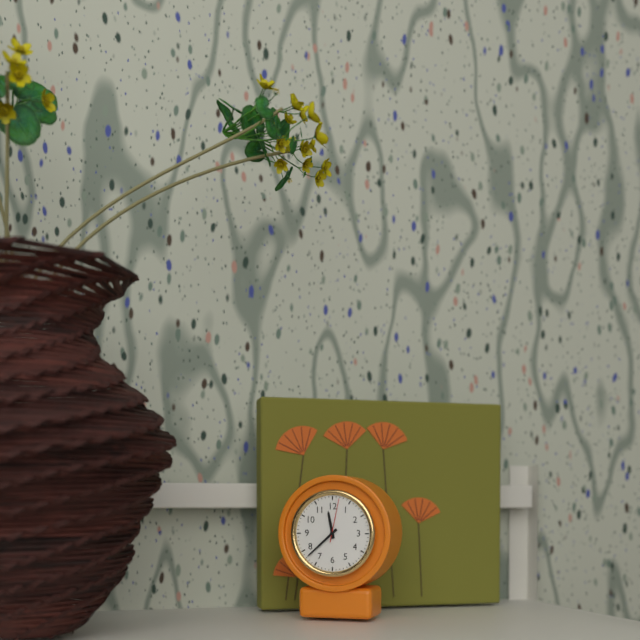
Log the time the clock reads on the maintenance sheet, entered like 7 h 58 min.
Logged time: 11 h 38 min
